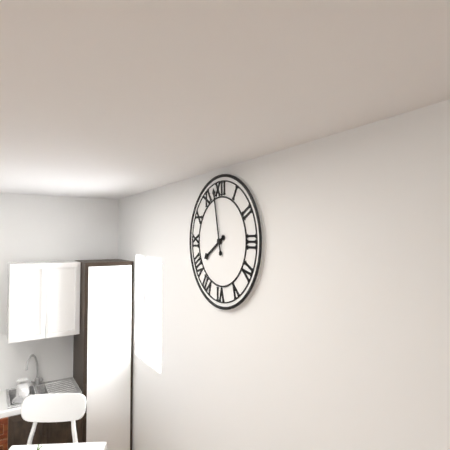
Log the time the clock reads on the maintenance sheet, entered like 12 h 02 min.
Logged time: 7 h 58 min
